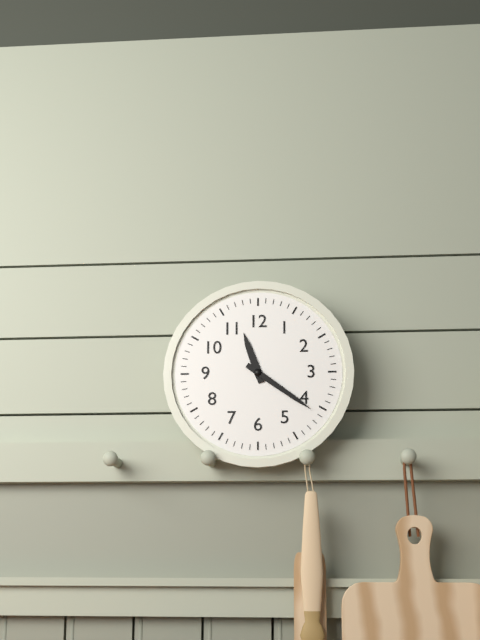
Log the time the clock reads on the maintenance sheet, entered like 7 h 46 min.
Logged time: 11 h 21 min
